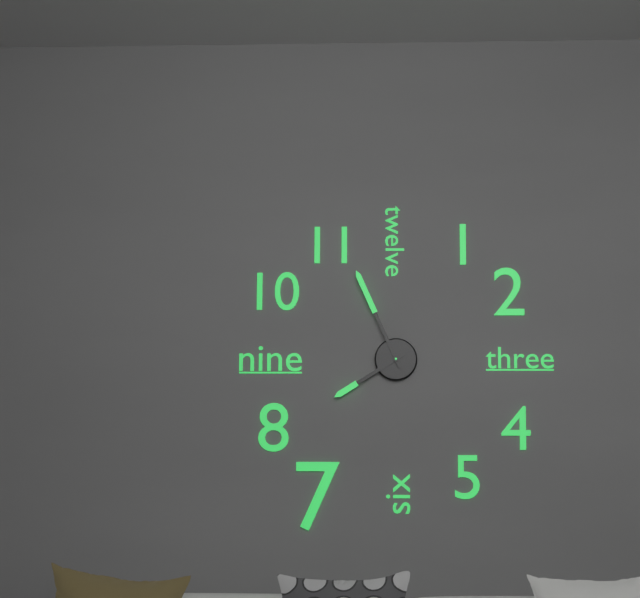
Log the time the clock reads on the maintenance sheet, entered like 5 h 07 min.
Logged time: 7 h 56 min
